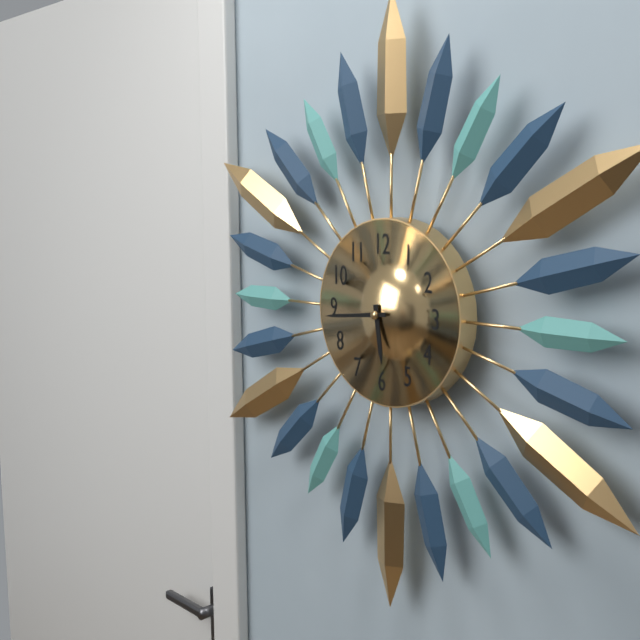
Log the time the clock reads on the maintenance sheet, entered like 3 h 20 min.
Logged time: 5 h 44 min
